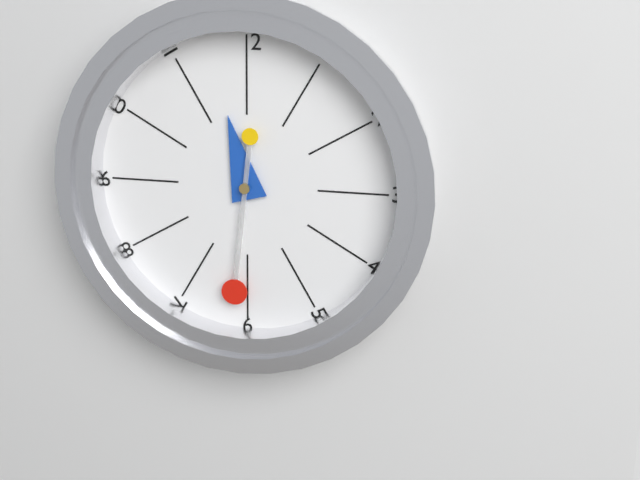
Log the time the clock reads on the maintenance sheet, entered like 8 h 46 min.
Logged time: 11 h 31 min
